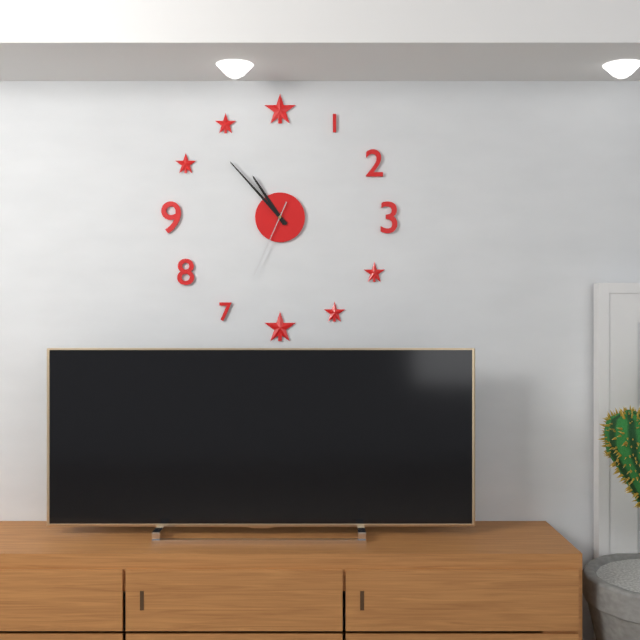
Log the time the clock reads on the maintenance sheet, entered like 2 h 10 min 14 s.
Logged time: 10 h 53 min 34 s
